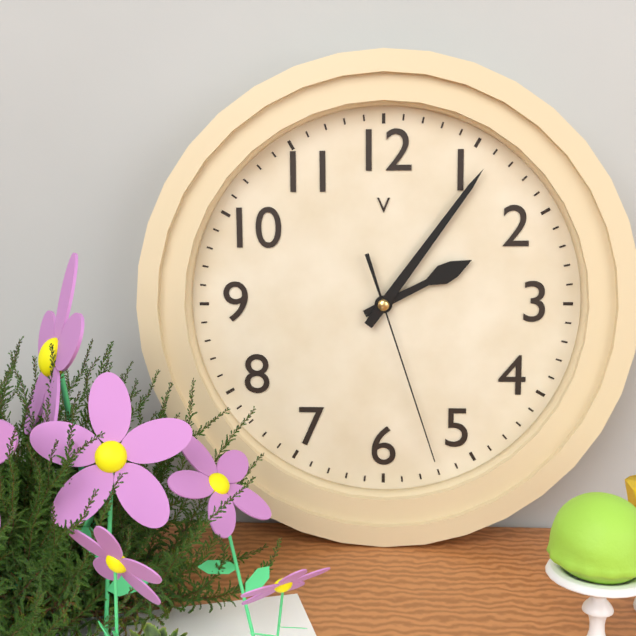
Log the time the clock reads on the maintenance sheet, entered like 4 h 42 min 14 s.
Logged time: 2 h 06 min 27 s
